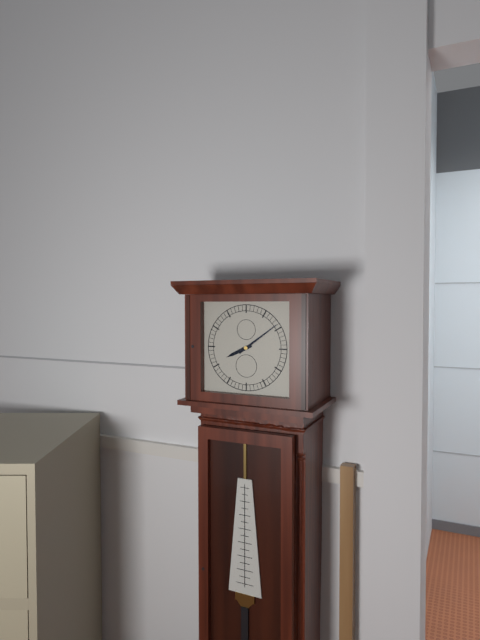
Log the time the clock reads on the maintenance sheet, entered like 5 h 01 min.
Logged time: 8 h 09 min
